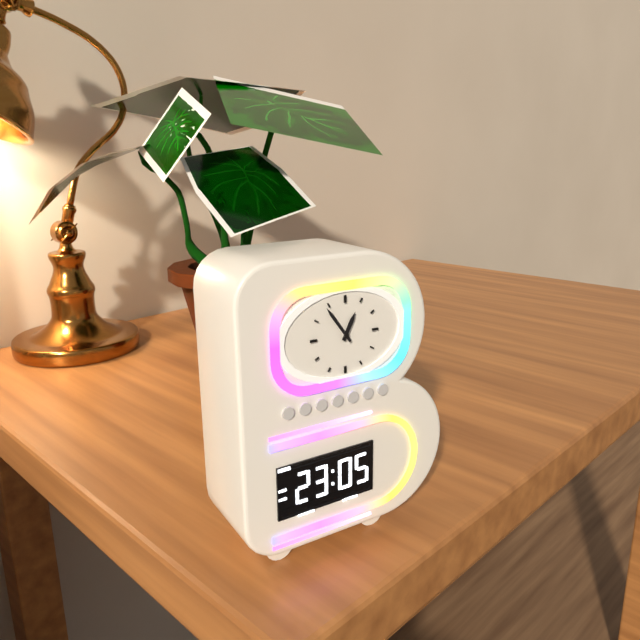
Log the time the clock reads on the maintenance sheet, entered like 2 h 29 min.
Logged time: 12 h 54 min
